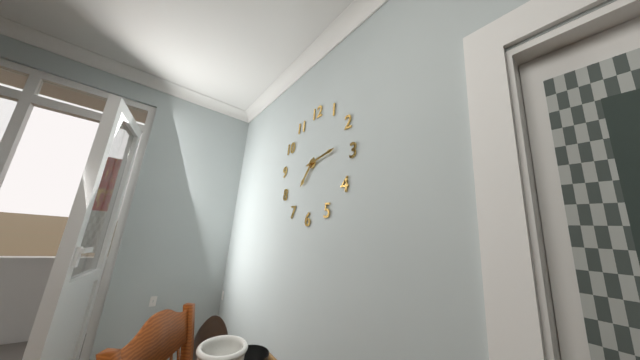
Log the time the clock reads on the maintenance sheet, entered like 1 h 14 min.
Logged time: 7 h 13 min
